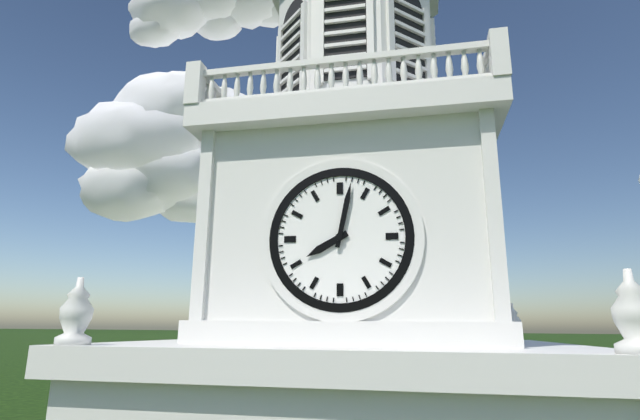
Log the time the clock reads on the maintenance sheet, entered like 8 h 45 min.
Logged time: 8 h 02 min
